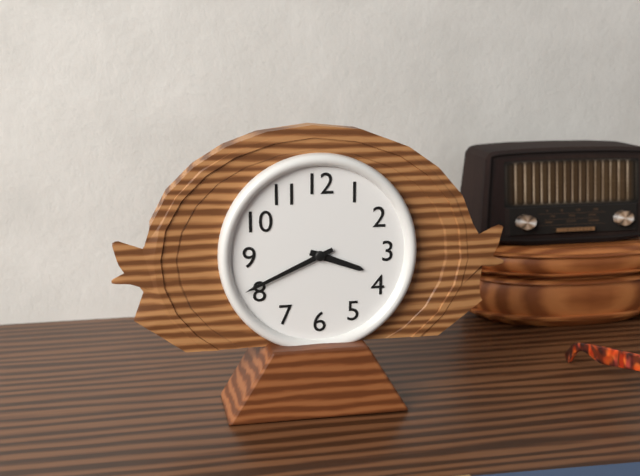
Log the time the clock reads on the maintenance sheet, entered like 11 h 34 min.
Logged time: 3 h 41 min
